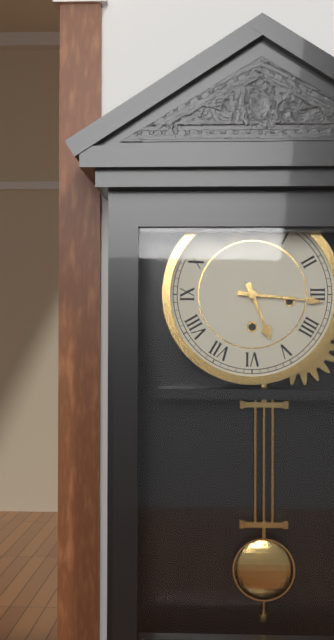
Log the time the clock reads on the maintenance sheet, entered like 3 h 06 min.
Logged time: 5 h 16 min
